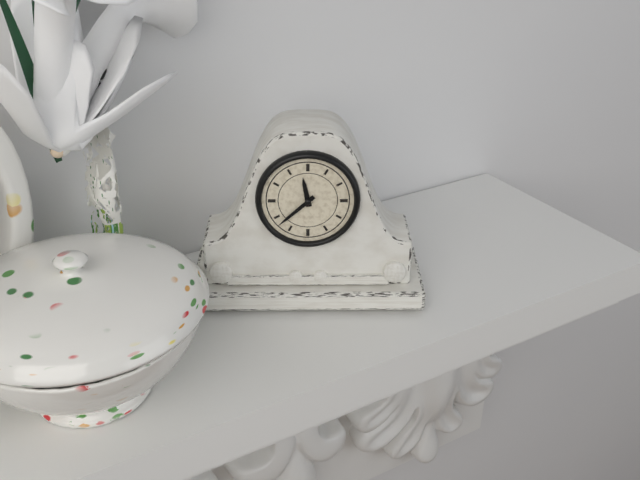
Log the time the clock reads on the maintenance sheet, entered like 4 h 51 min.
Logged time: 11 h 38 min
